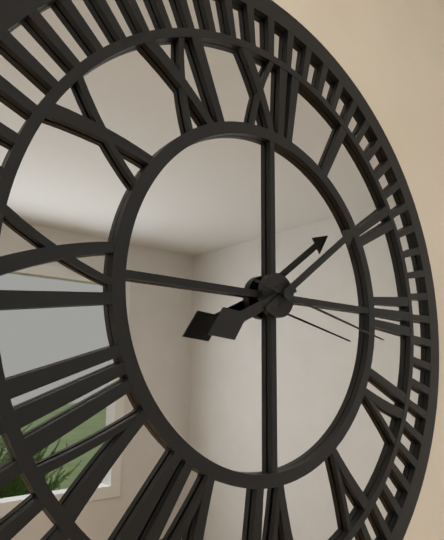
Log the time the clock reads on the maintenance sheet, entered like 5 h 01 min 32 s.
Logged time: 8 h 09 min 17 s
